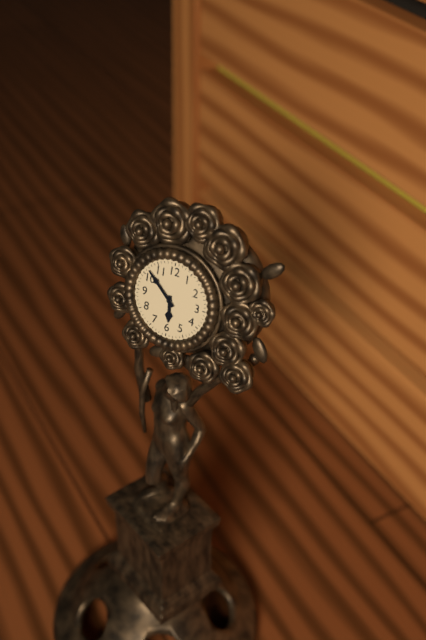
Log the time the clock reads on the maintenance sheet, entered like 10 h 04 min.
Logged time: 5 h 52 min
